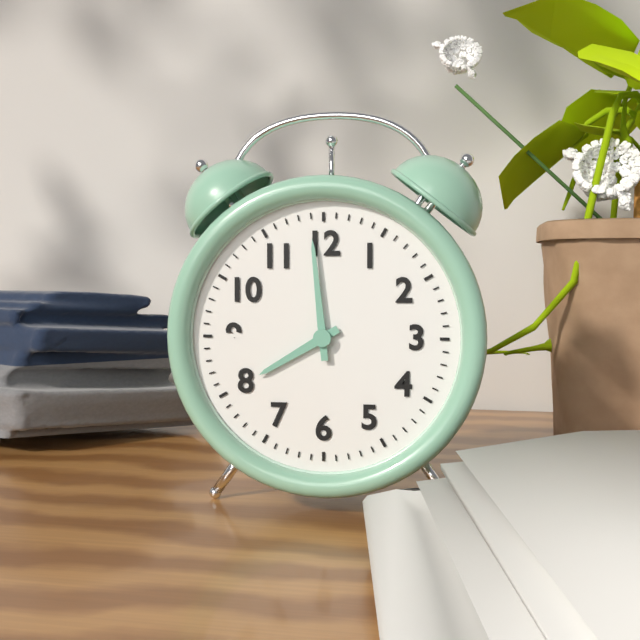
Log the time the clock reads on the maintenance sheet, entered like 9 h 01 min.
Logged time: 7 h 59 min
